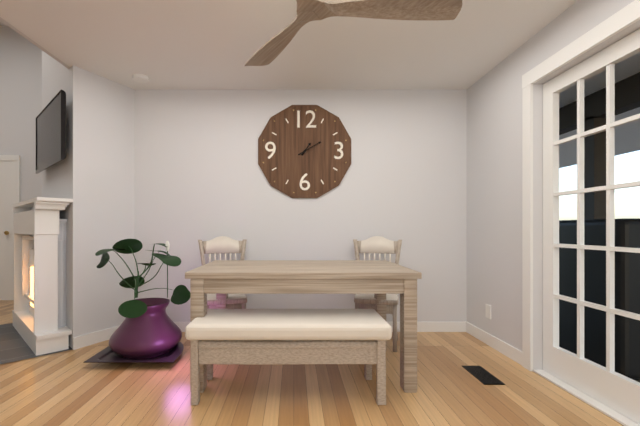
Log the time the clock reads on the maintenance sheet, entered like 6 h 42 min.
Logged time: 1 h 10 min
